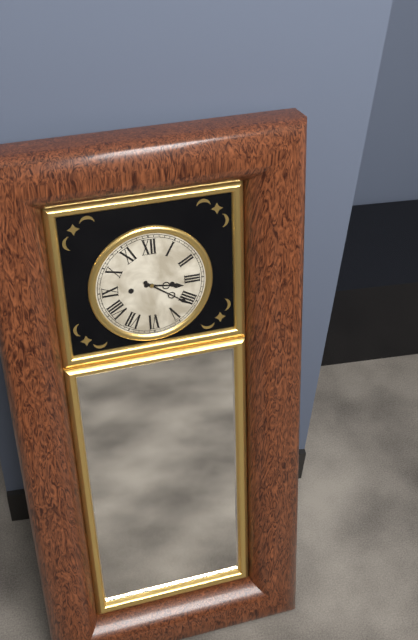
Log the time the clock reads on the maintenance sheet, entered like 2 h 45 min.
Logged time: 3 h 21 min
